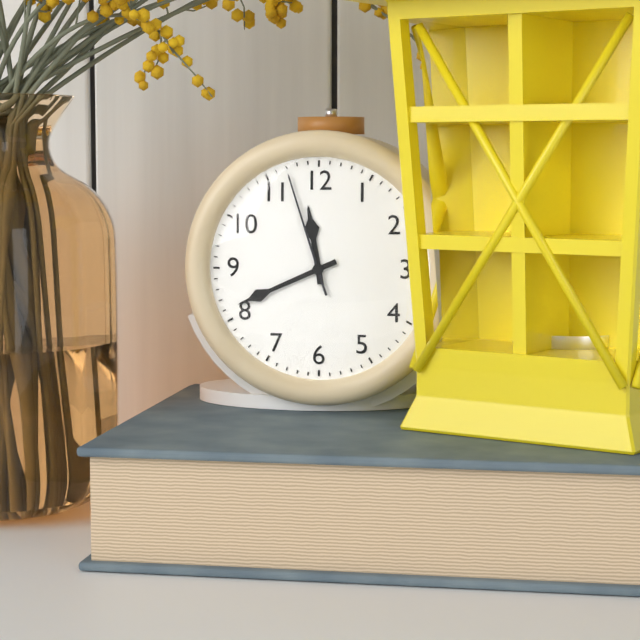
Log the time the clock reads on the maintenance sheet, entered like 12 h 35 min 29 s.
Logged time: 11 h 41 min 57 s
